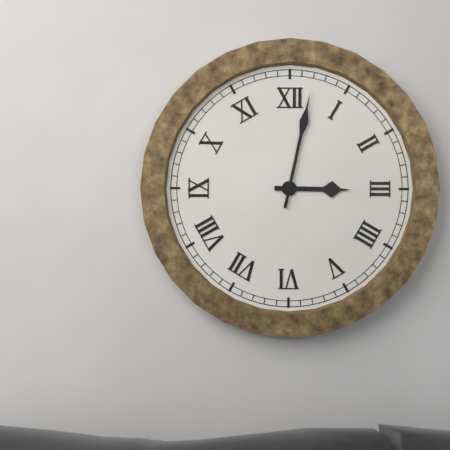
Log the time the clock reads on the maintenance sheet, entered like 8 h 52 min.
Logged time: 3 h 02 min
